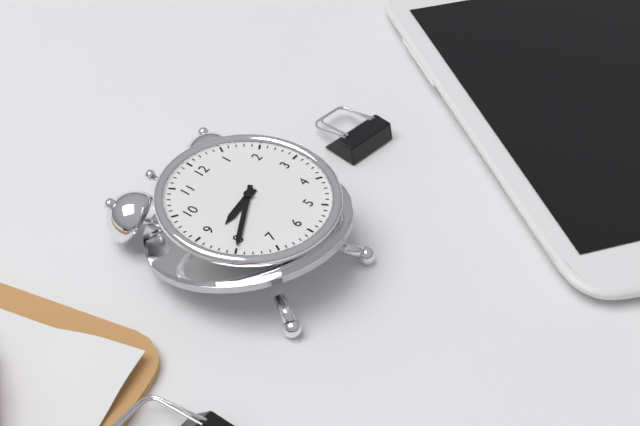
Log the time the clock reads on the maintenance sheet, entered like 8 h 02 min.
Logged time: 8 h 40 min
